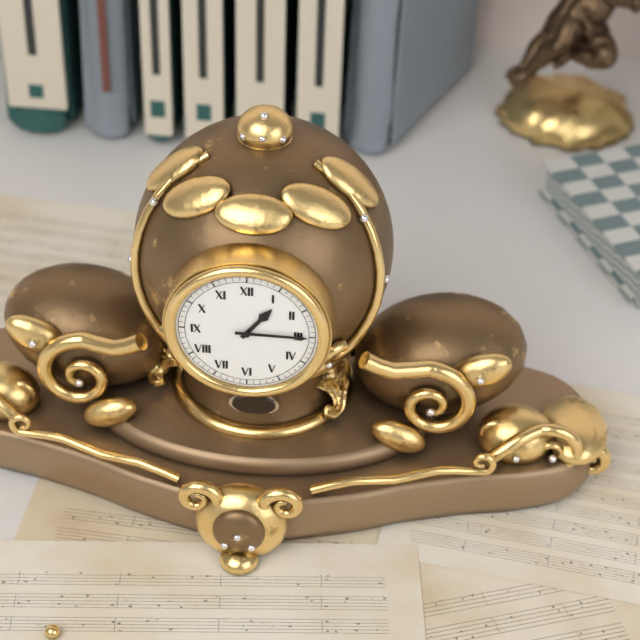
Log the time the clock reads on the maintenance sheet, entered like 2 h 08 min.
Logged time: 1 h 15 min
